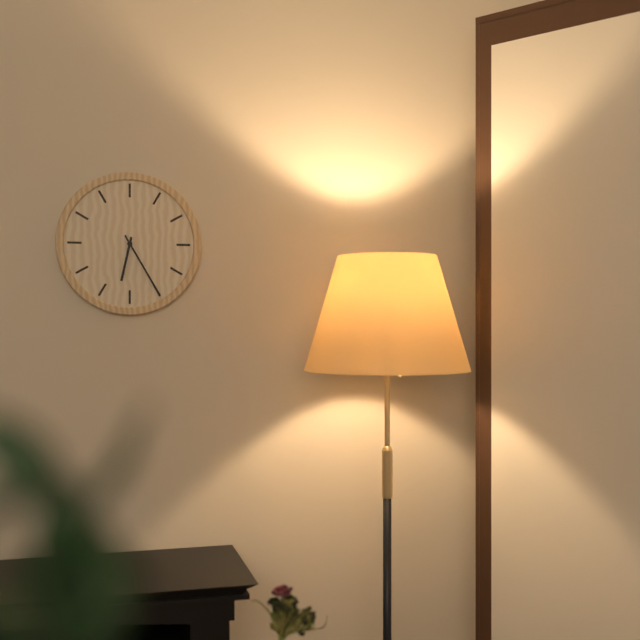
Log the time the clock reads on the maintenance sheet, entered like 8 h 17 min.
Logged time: 6 h 25 min
